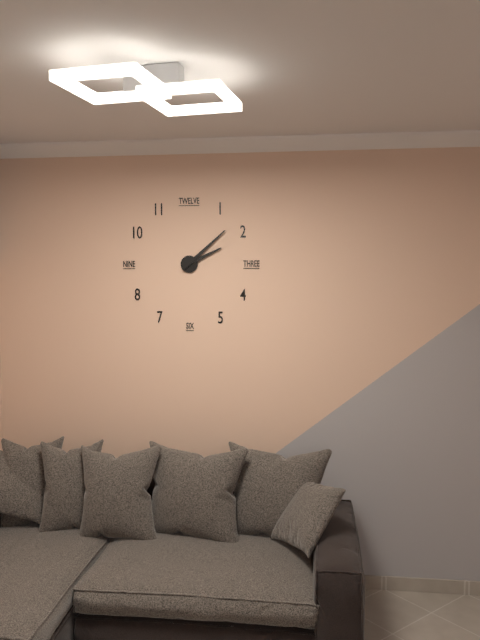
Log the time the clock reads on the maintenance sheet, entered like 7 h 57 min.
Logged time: 2 h 08 min
